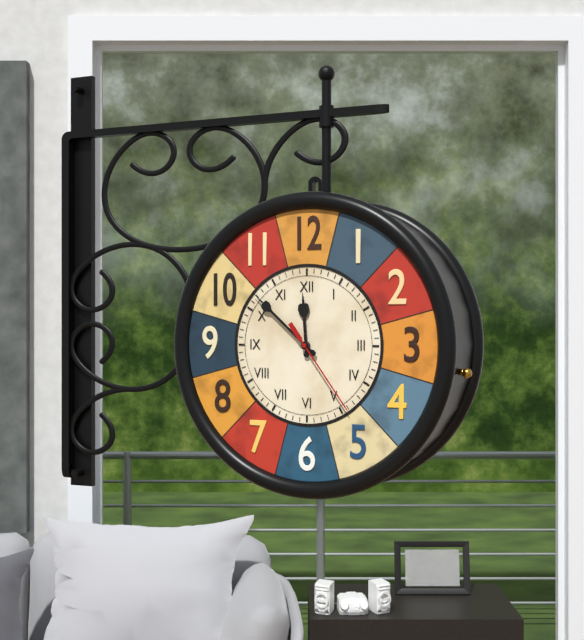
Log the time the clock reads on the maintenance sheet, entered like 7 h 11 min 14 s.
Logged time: 11 h 52 min 24 s
